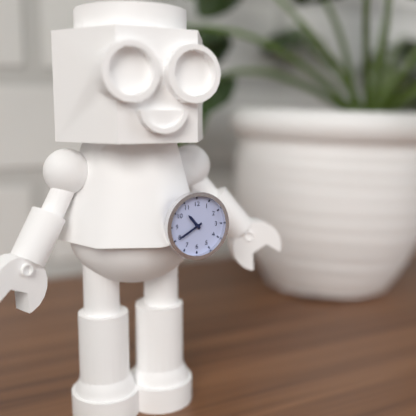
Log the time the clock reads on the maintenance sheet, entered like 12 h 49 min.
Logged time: 10 h 40 min
